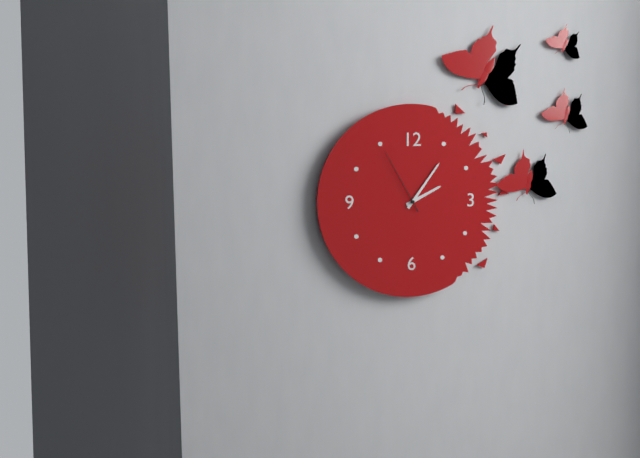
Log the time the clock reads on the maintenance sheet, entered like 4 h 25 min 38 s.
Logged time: 2 h 06 min 55 s
